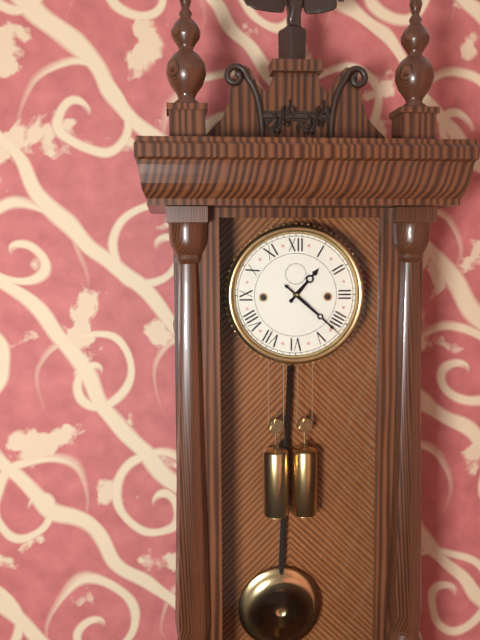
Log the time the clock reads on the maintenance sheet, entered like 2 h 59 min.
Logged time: 1 h 22 min
